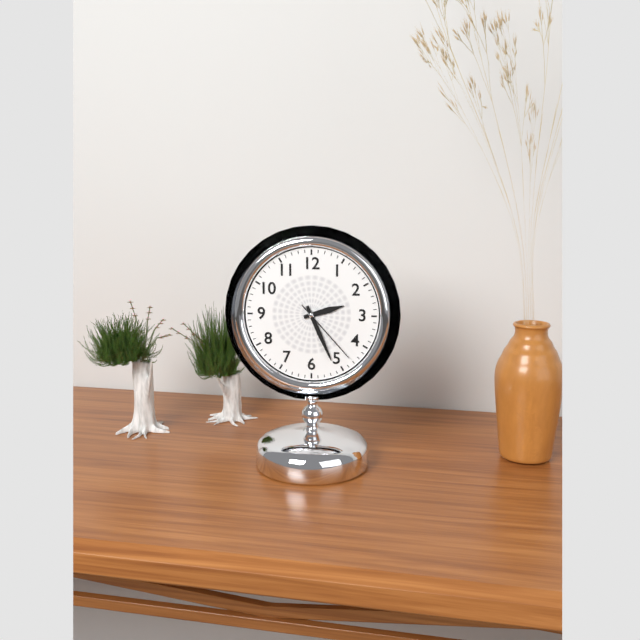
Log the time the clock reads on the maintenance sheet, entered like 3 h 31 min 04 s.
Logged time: 2 h 26 min 23 s
